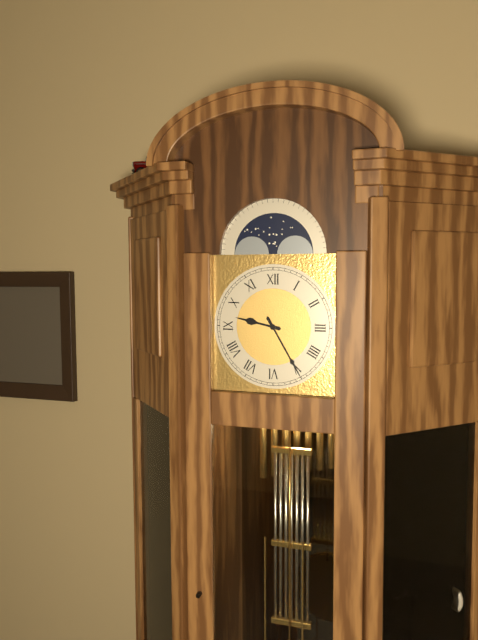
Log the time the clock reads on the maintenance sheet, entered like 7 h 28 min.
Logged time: 9 h 25 min
